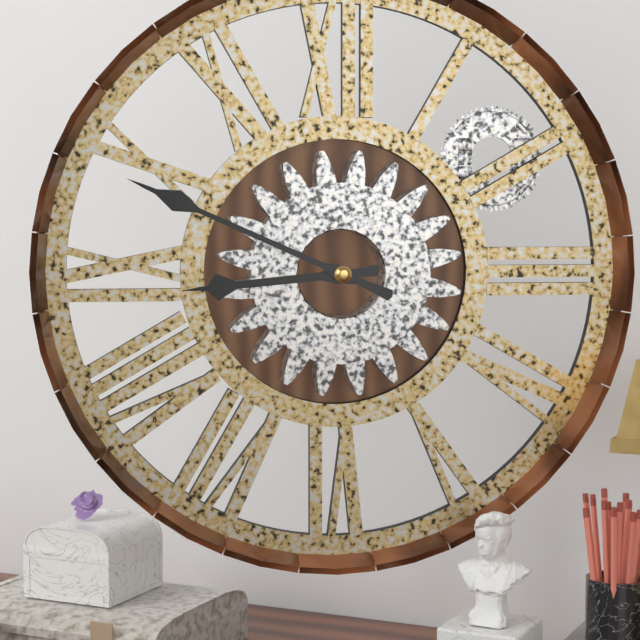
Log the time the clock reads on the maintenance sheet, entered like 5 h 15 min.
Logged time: 8 h 49 min
